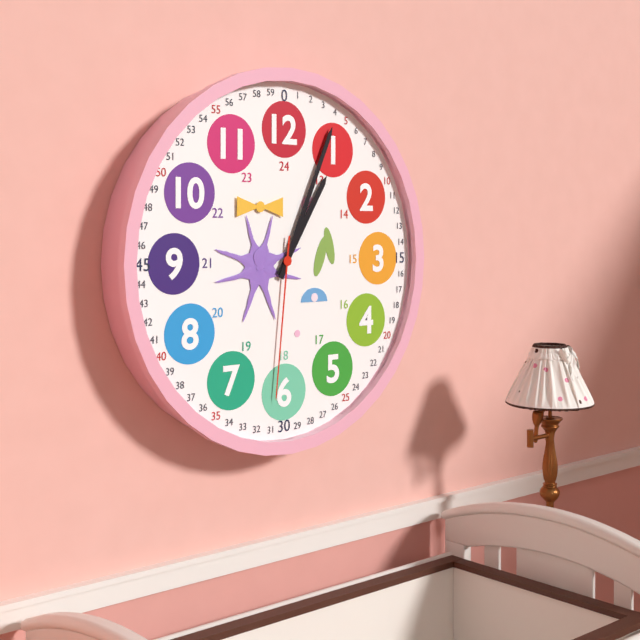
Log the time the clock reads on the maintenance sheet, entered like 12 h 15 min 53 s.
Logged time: 1 h 04 min 31 s
